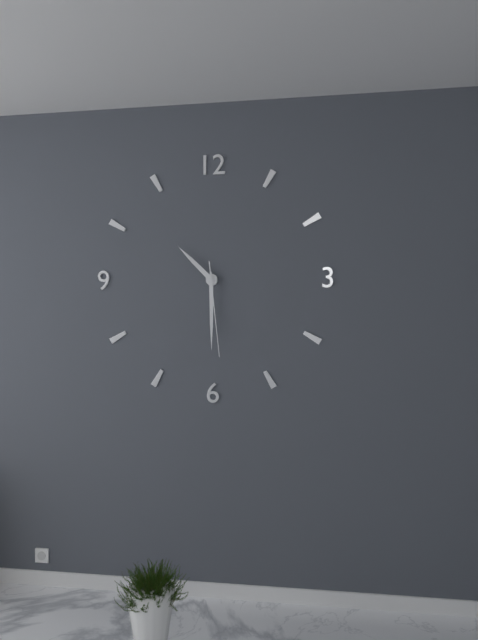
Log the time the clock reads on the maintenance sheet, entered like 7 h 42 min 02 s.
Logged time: 10 h 30 min 29 s
